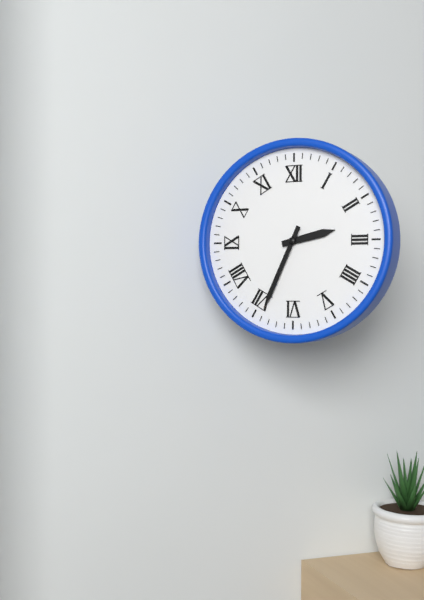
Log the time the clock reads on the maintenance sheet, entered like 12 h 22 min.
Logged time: 2 h 34 min
